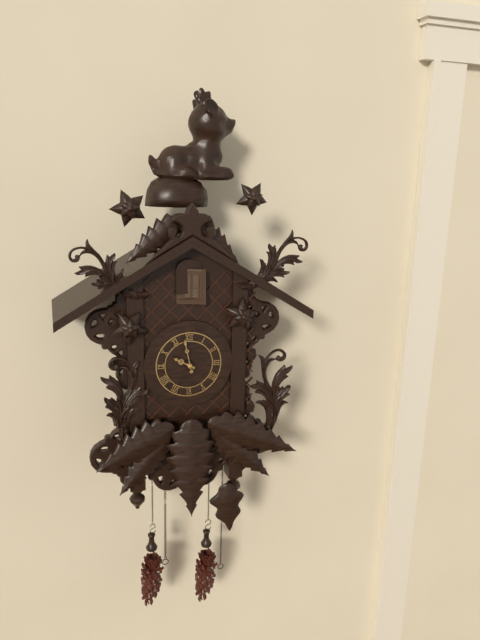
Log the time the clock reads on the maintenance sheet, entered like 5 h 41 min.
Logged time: 9 h 58 min
